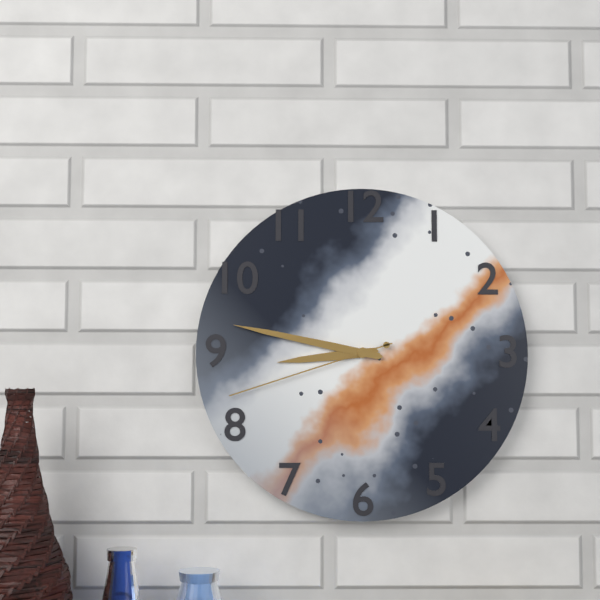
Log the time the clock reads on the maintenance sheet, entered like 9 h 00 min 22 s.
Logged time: 8 h 47 min 42 s
